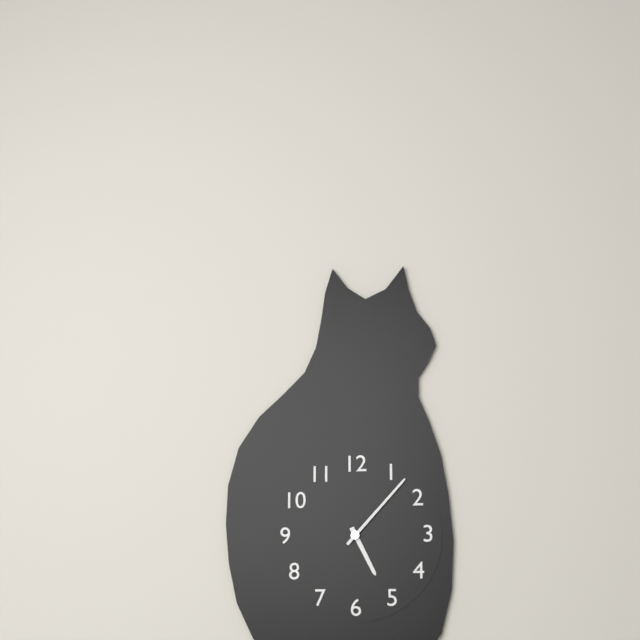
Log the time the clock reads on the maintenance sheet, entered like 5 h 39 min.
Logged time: 5 h 07 min
